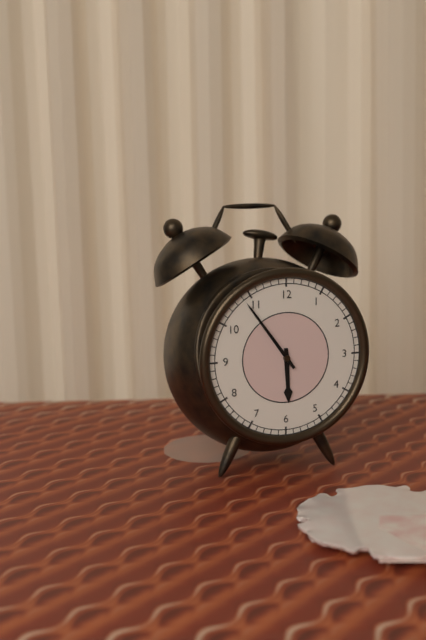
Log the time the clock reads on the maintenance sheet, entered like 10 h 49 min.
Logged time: 5 h 54 min
